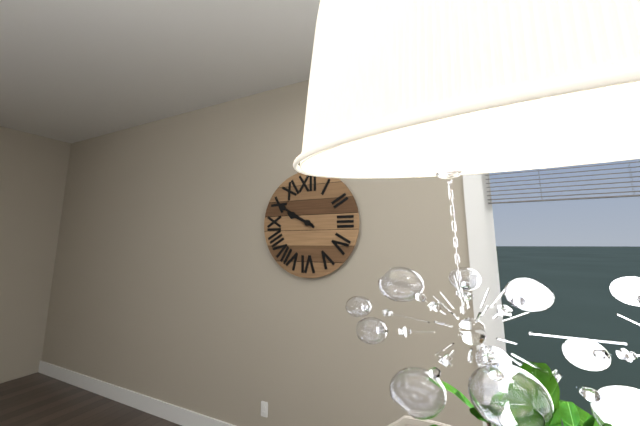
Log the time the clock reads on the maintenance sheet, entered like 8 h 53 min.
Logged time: 9 h 50 min
